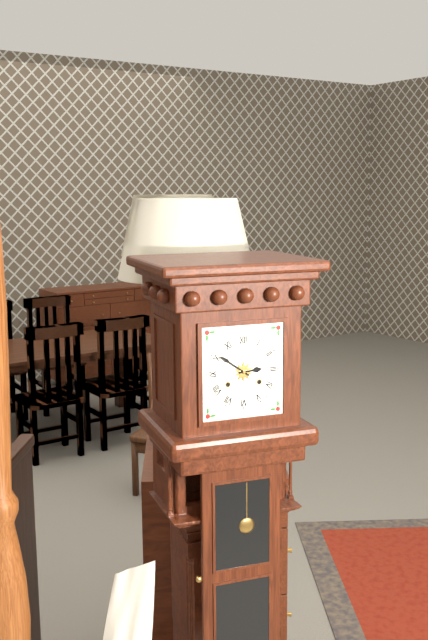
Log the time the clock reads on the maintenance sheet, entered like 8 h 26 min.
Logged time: 2 h 51 min
